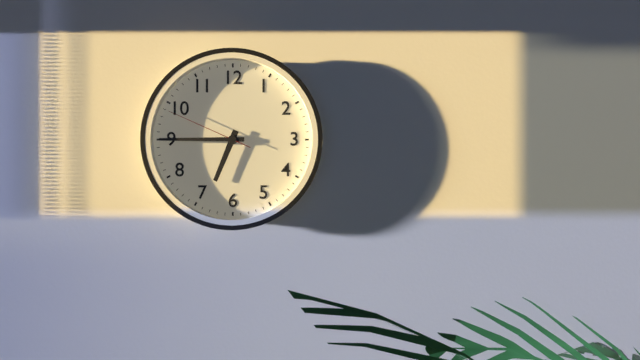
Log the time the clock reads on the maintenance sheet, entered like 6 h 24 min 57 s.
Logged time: 6 h 45 min 49 s
